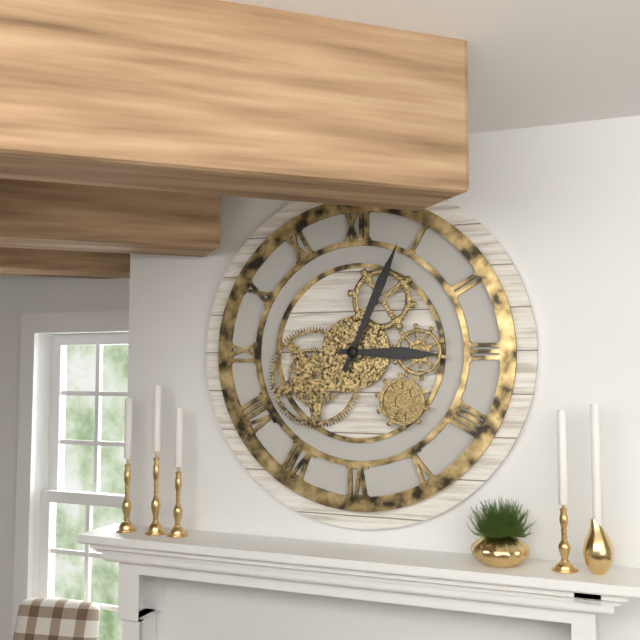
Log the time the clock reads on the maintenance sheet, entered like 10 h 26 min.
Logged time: 3 h 04 min
